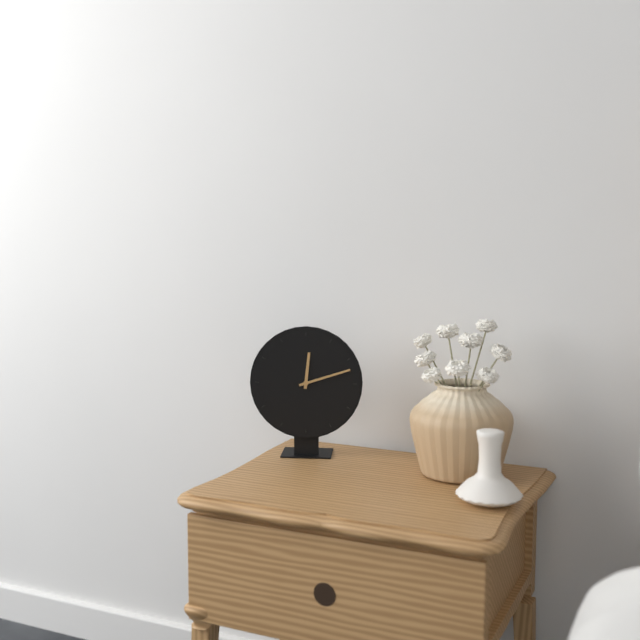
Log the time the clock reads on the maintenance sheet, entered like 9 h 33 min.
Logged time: 12 h 12 min
